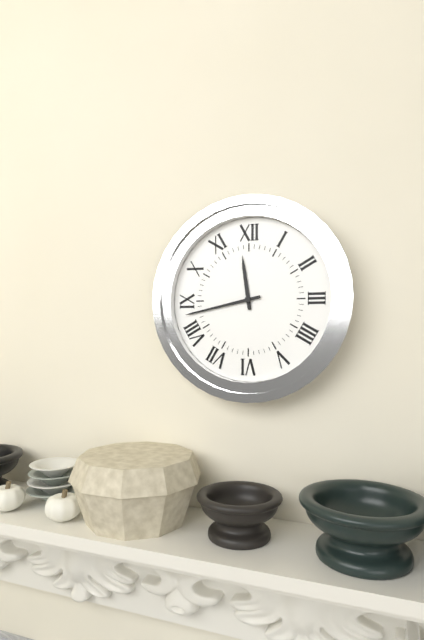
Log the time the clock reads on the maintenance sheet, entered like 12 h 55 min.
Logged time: 11 h 43 min
